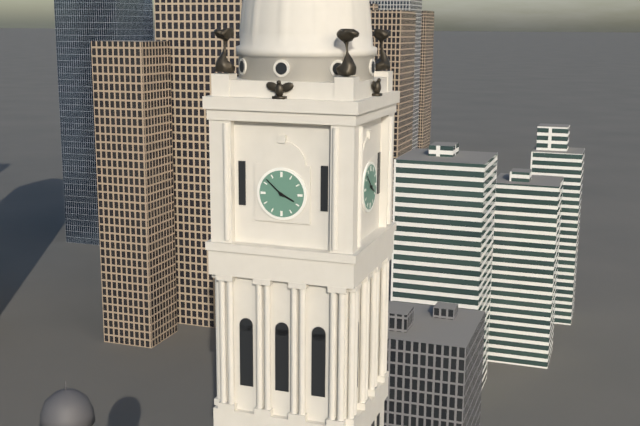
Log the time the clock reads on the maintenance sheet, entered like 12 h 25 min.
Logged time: 3 h 52 min
